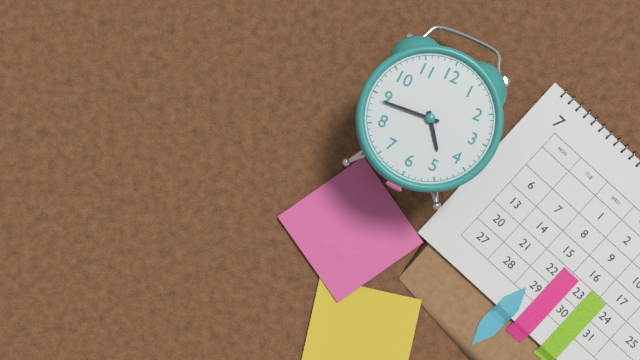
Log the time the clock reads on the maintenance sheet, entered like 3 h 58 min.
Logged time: 4 h 44 min
